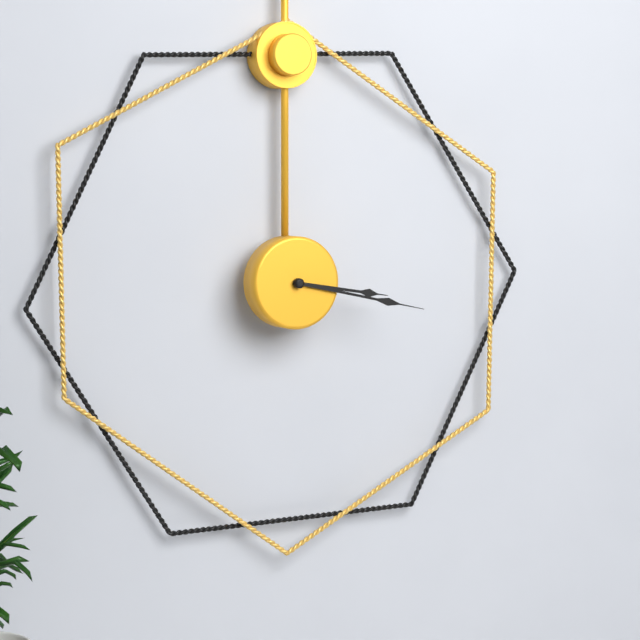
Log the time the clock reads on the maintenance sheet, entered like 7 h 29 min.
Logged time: 3 h 17 min
